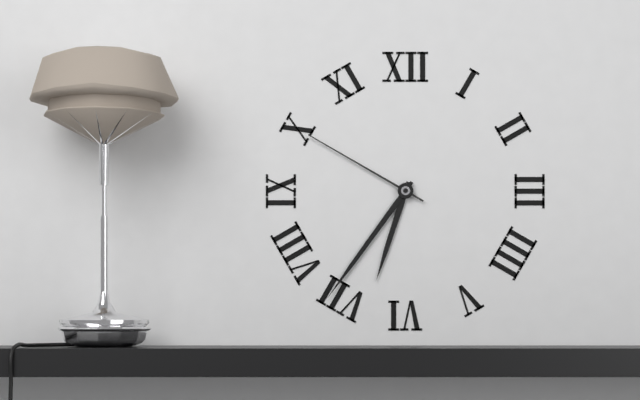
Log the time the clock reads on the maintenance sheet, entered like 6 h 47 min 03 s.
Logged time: 6 h 36 min 50 s
